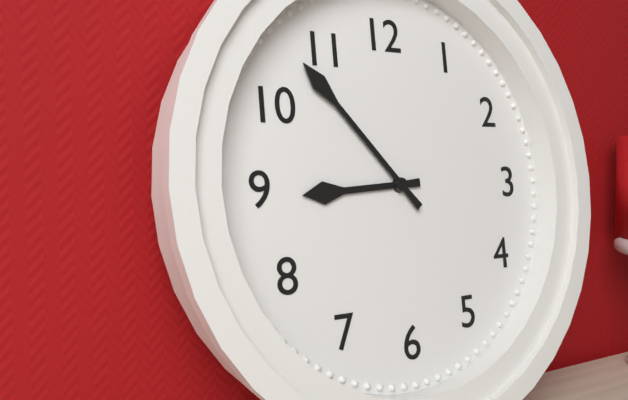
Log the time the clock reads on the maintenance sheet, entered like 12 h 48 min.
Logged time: 8 h 53 min
